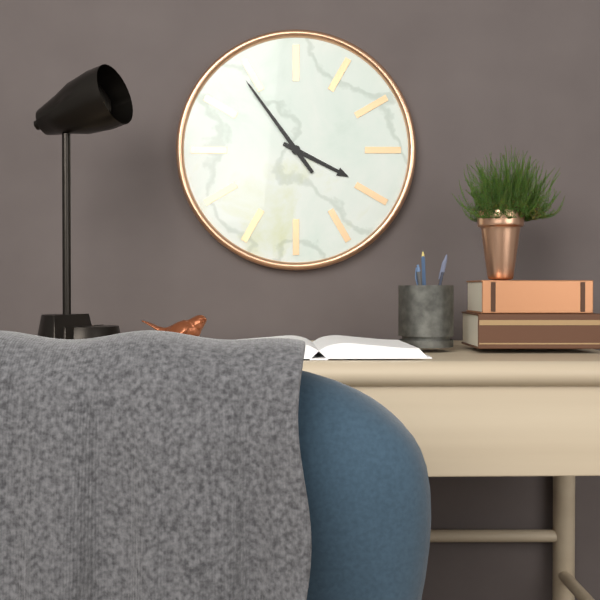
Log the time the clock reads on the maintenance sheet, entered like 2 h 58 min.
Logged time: 3 h 54 min
